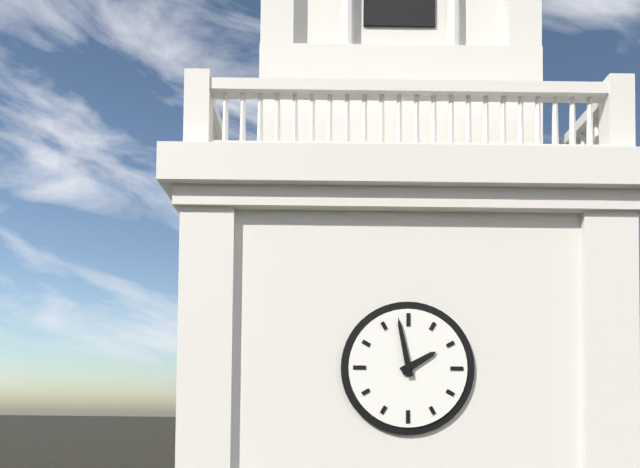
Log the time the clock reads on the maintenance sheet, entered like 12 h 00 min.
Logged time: 1 h 58 min
